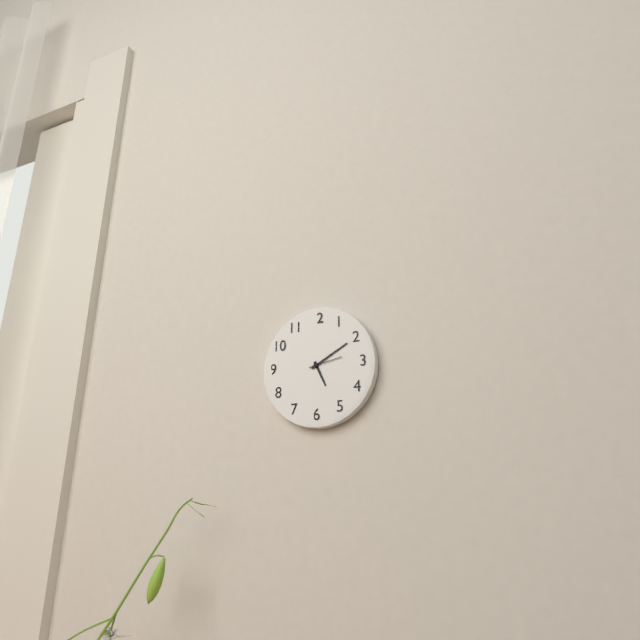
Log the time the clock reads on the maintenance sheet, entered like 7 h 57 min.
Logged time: 5 h 10 min
